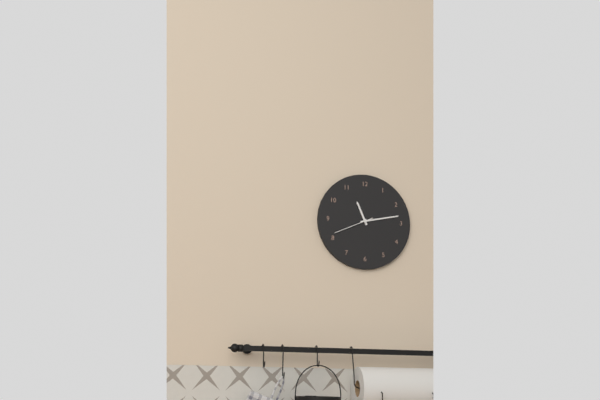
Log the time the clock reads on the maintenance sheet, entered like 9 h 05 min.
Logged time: 11 h 13 min
